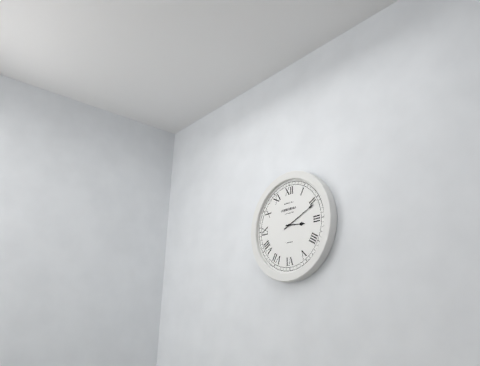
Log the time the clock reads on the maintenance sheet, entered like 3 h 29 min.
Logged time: 3 h 11 min
